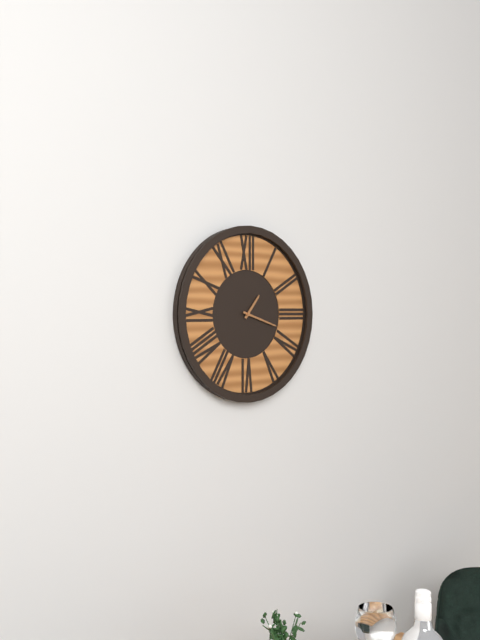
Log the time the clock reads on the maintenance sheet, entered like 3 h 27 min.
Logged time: 1 h 18 min
